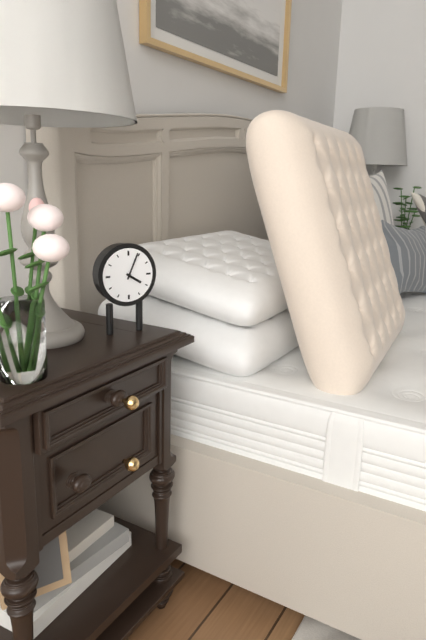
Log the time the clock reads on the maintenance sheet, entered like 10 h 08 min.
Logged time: 4 h 04 min
